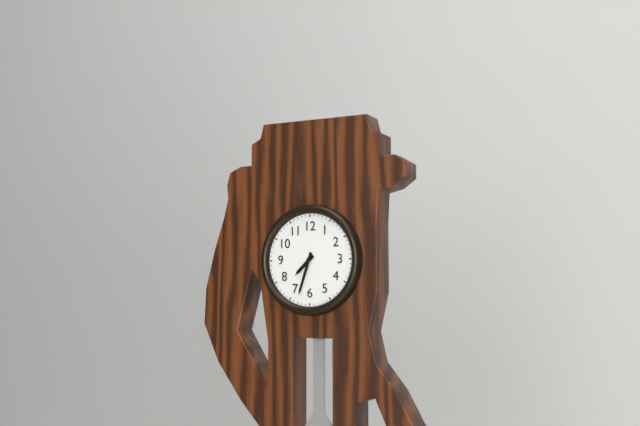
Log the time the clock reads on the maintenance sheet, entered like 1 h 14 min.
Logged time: 7 h 33 min
